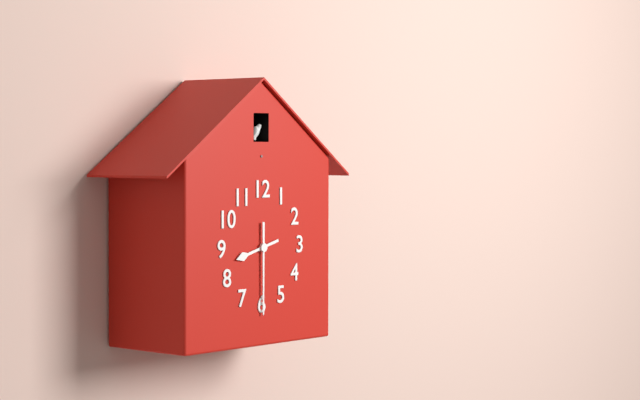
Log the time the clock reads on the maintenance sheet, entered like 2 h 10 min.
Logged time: 8 h 30 min
